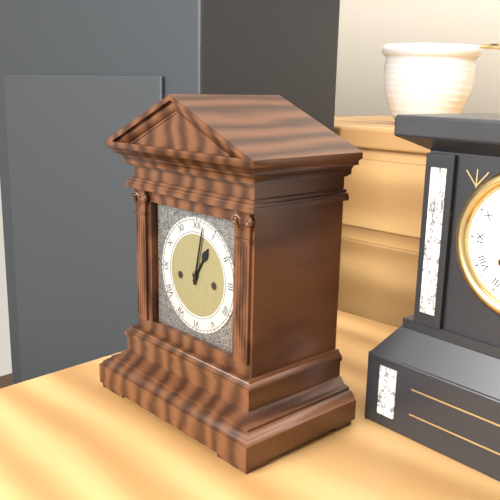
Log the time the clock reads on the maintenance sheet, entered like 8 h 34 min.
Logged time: 1 h 02 min
